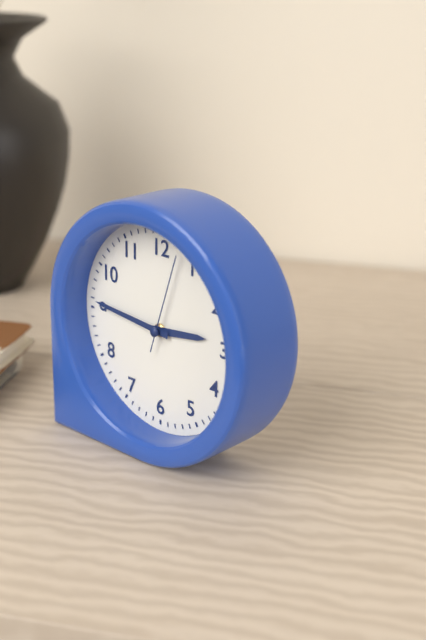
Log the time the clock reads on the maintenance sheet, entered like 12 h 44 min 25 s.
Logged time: 2 h 46 min 03 s
